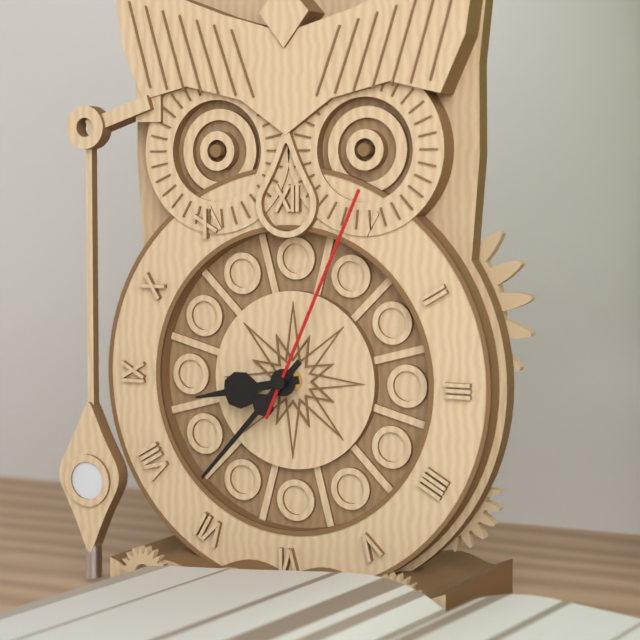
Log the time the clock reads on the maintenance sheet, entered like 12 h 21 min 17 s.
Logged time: 8 h 37 min 04 s
